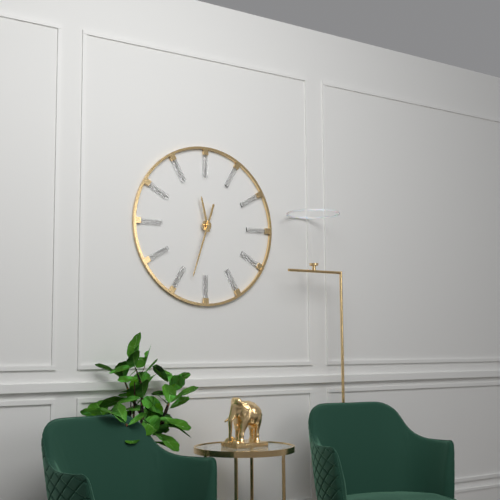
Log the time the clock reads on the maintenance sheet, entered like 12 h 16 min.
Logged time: 11 h 33 min
